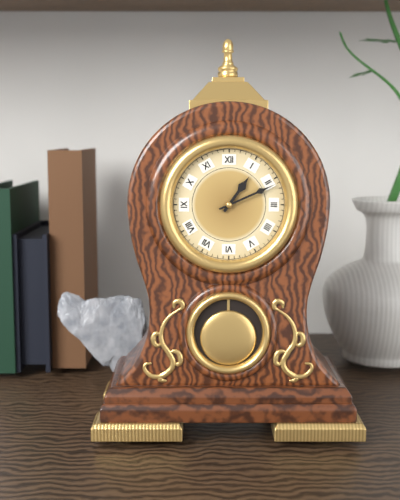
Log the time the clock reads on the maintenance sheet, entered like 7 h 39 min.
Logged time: 1 h 11 min
